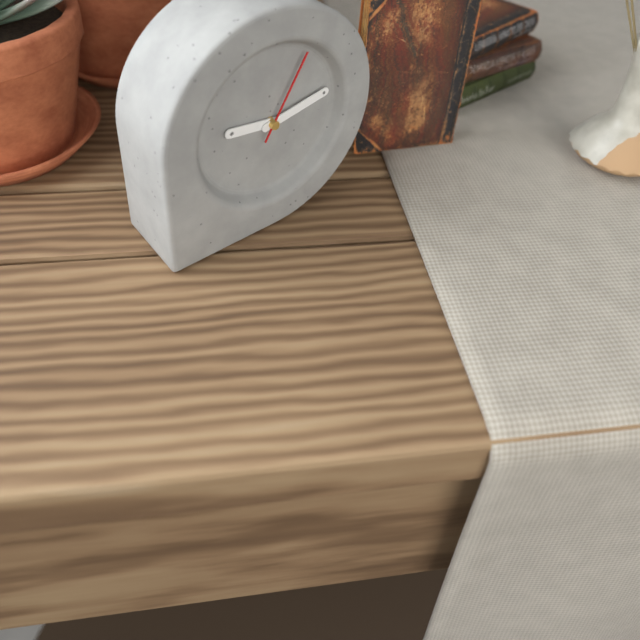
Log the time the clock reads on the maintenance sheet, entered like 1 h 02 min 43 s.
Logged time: 9 h 13 min 05 s
